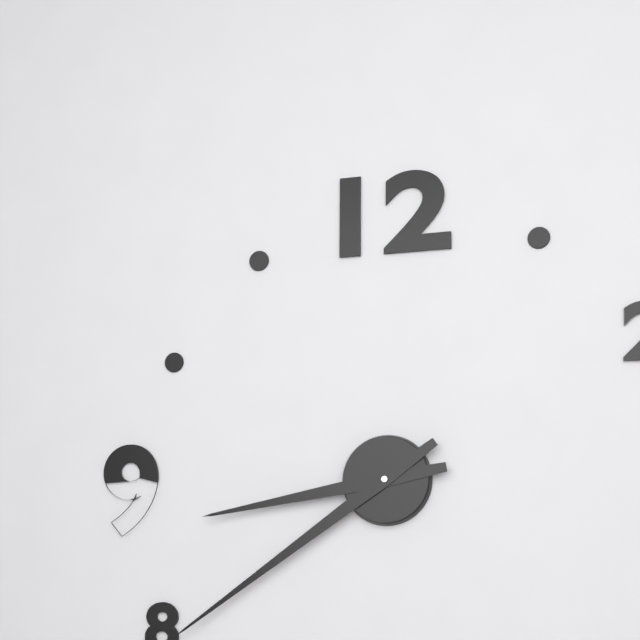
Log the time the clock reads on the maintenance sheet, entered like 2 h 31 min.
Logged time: 8 h 39 min
